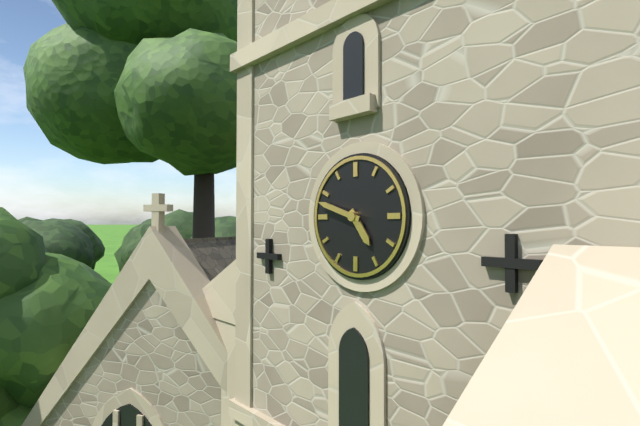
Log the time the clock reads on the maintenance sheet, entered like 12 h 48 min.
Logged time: 4 h 48 min
